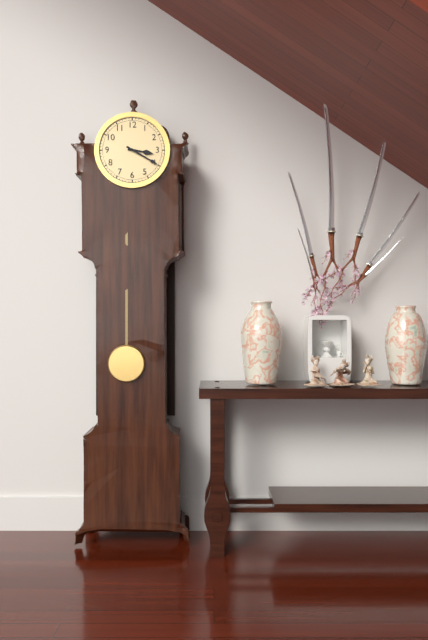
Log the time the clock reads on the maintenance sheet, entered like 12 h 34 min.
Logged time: 3 h 20 min
